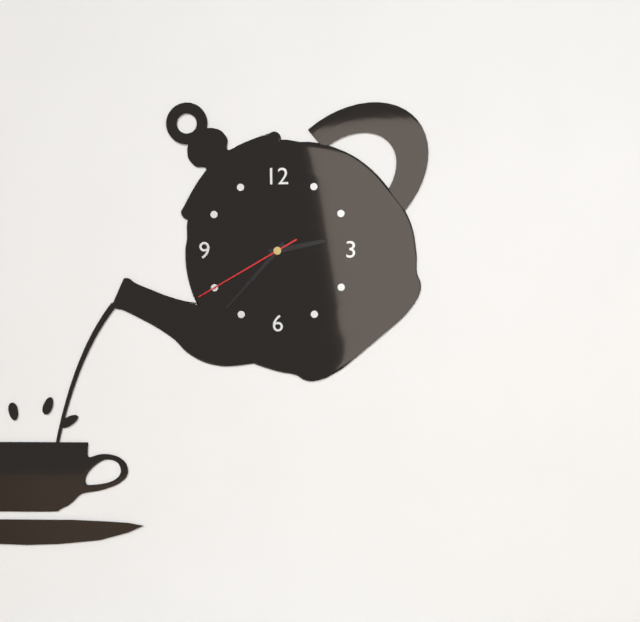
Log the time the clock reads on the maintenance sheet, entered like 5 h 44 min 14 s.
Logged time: 2 h 37 min 40 s
